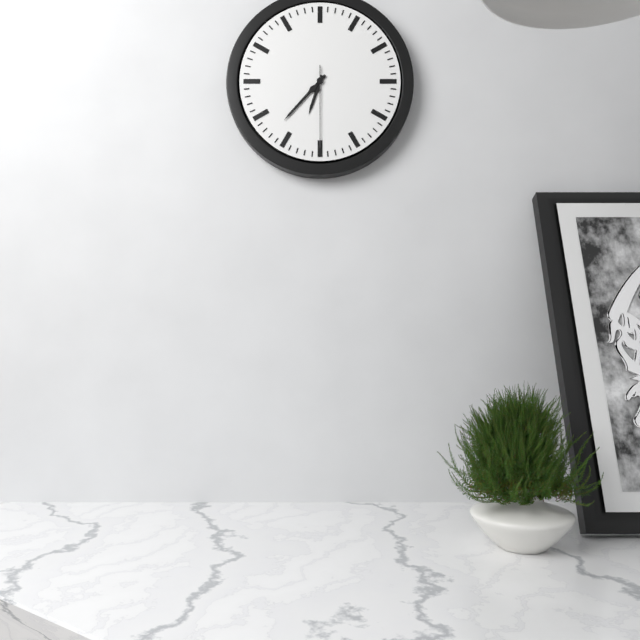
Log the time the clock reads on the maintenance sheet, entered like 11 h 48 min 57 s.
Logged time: 6 h 37 min 30 s
